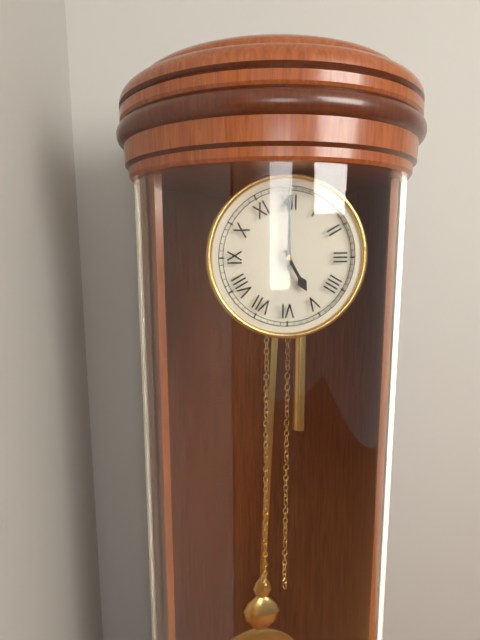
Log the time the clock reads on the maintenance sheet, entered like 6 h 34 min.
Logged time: 5 h 00 min
